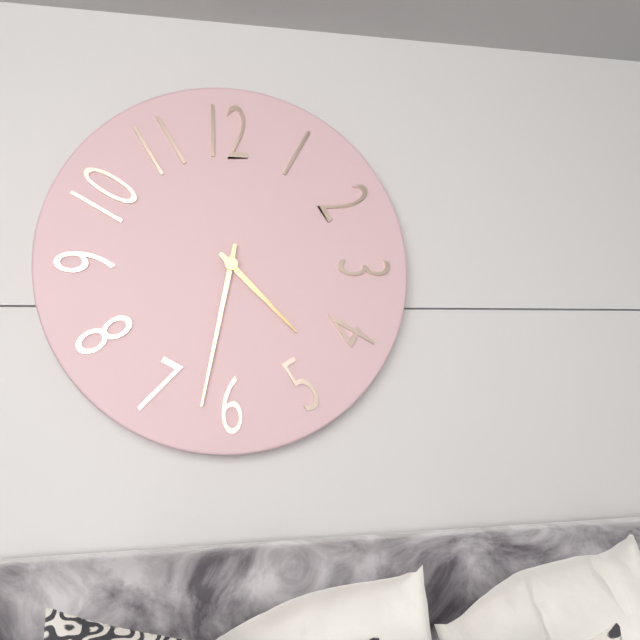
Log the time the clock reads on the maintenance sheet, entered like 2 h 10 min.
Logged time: 4 h 32 min
